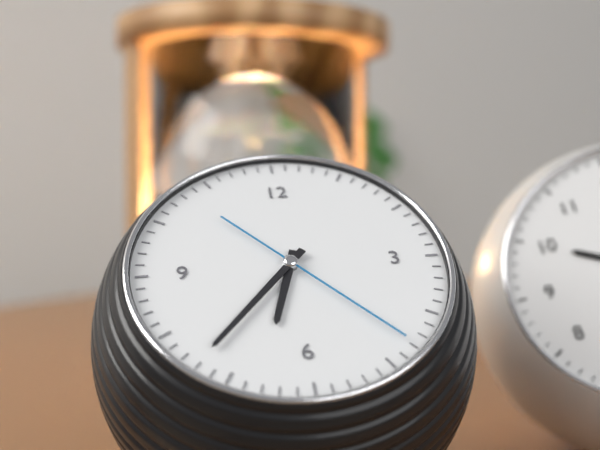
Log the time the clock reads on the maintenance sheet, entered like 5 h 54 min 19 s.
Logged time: 6 h 37 min 23 s
